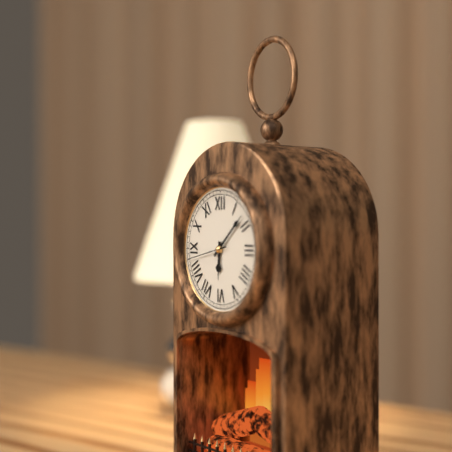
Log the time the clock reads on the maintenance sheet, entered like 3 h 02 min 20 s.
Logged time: 6 h 08 min 43 s
